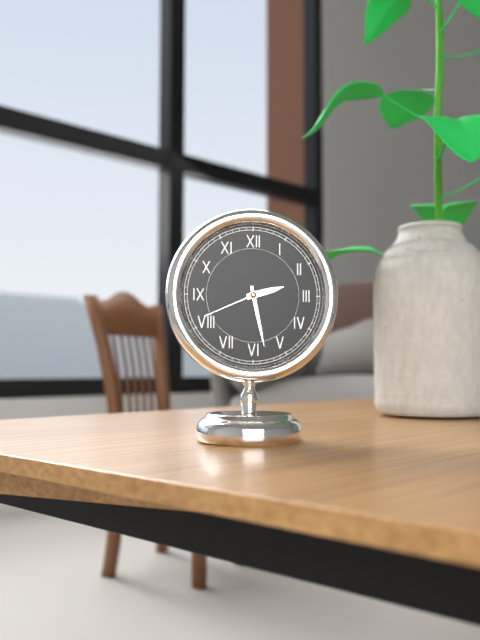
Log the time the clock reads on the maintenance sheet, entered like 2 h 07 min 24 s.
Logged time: 2 h 28 min 41 s
